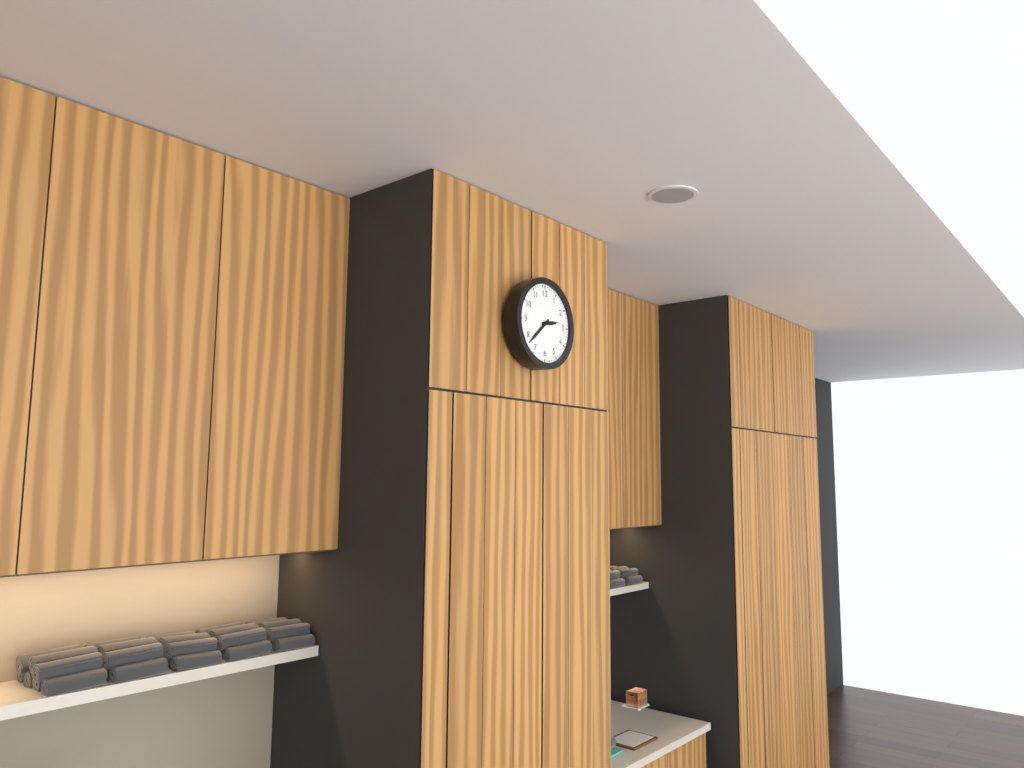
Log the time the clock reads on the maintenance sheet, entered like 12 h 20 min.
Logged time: 2 h 38 min
